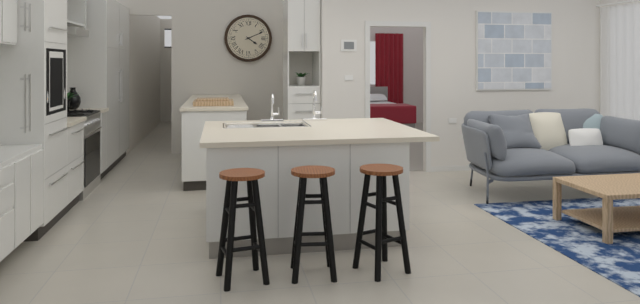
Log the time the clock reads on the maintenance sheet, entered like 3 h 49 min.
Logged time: 4 h 11 min
